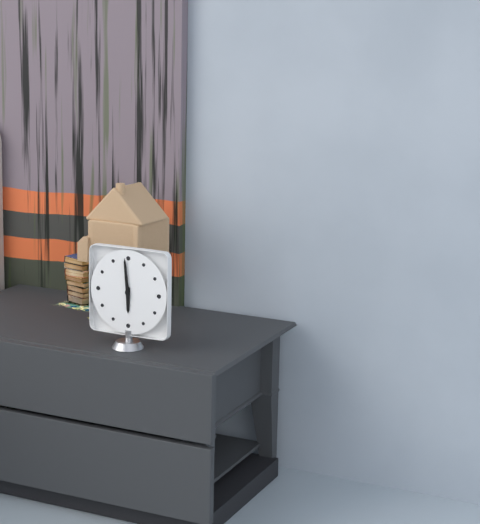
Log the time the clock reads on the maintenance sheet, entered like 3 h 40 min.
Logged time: 5 h 59 min
